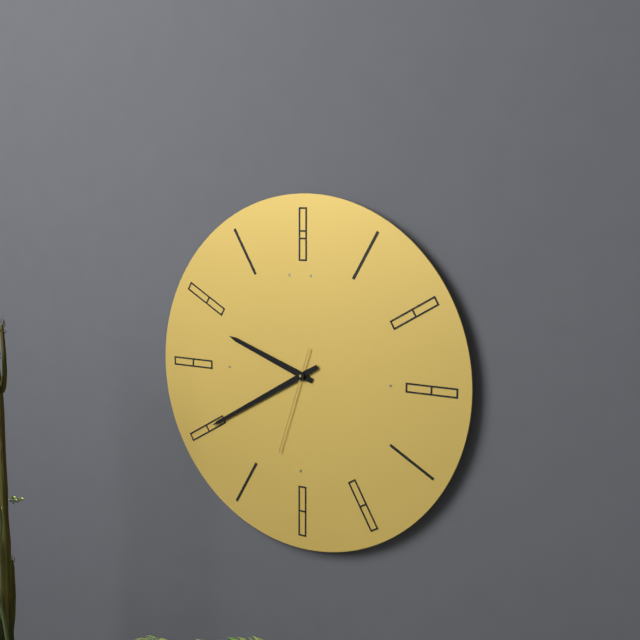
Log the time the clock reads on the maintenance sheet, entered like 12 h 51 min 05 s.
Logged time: 9 h 40 min 33 s
